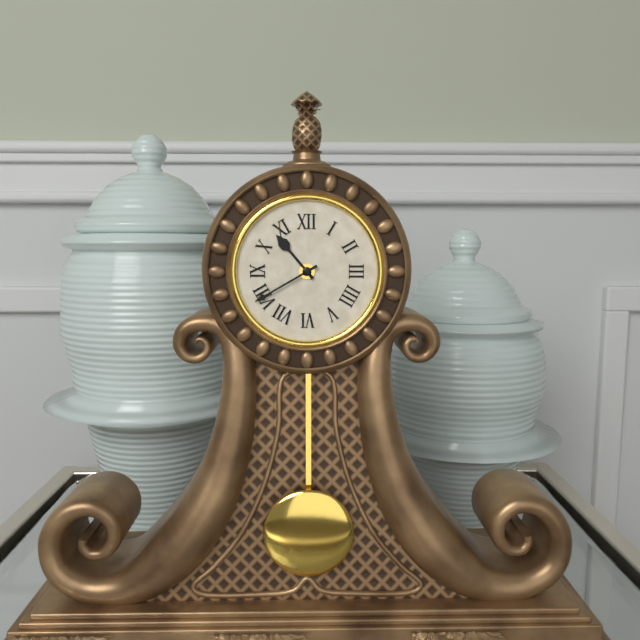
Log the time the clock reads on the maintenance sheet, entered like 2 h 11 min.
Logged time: 10 h 40 min
